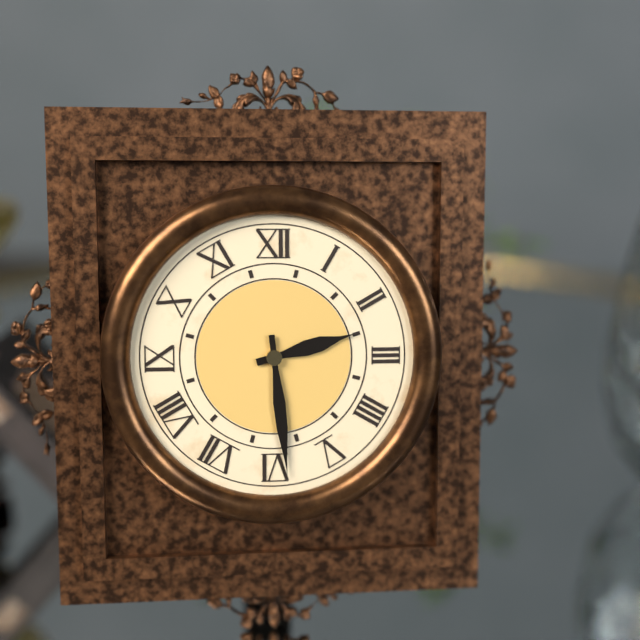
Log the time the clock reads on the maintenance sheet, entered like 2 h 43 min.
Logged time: 2 h 29 min
